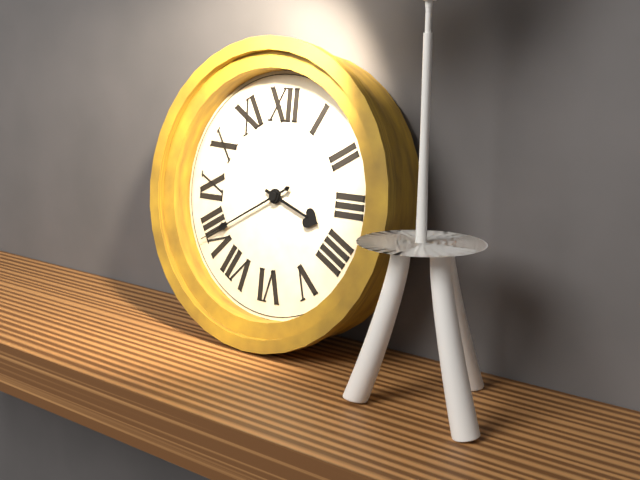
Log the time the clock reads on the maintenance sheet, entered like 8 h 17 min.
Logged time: 3 h 40 min
